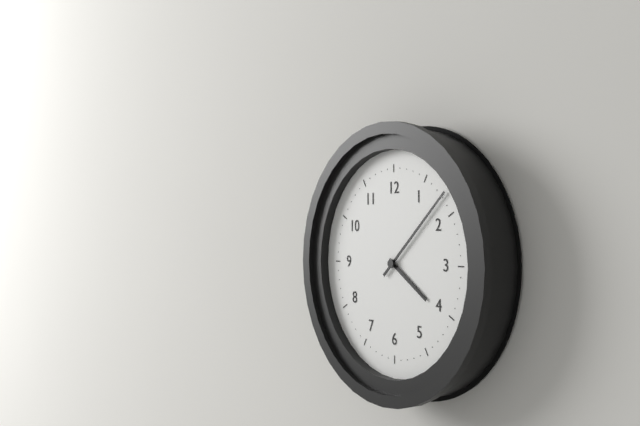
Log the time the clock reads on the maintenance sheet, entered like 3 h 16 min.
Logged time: 4 h 08 min
